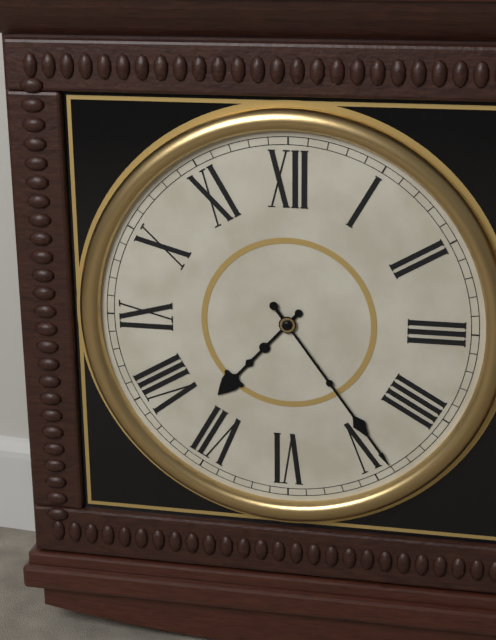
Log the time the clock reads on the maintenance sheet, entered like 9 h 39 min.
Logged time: 7 h 24 min
